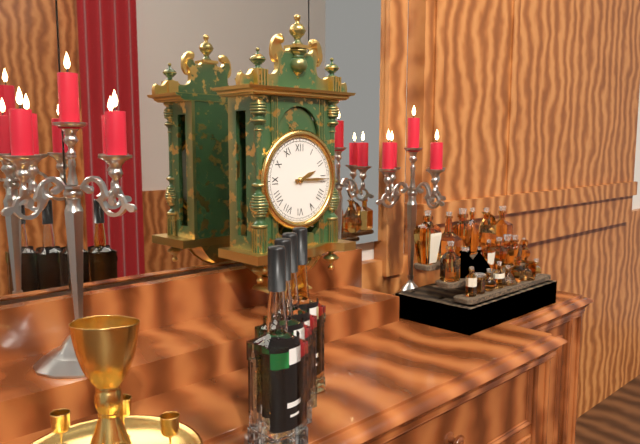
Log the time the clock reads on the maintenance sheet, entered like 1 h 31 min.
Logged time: 2 h 15 min
